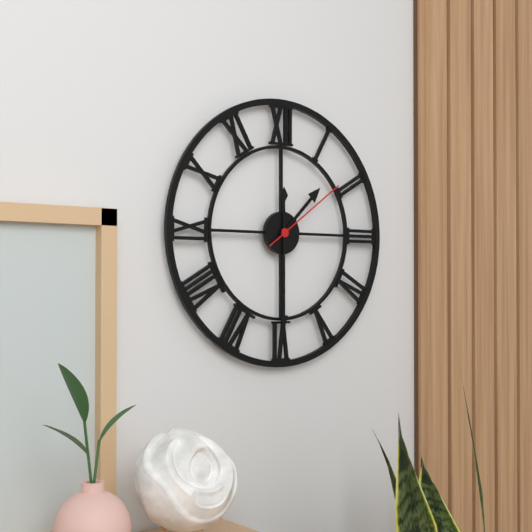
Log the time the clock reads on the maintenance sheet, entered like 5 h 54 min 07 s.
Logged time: 1 h 30 min 09 s
